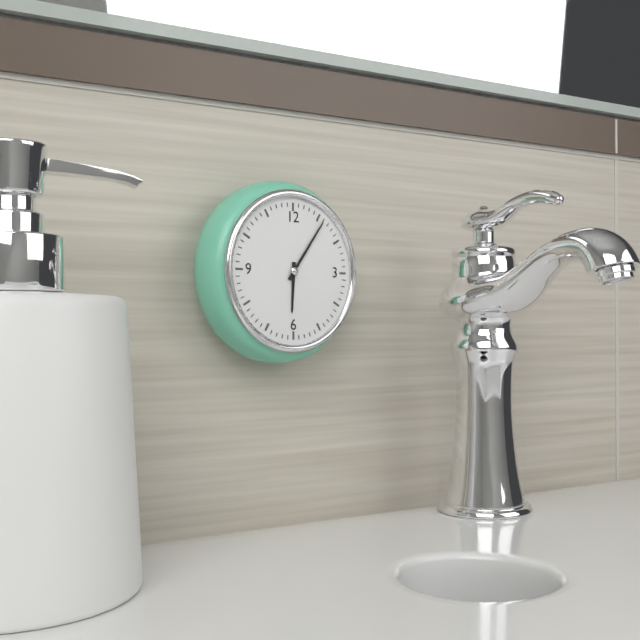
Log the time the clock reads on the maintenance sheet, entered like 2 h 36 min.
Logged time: 6 h 06 min
